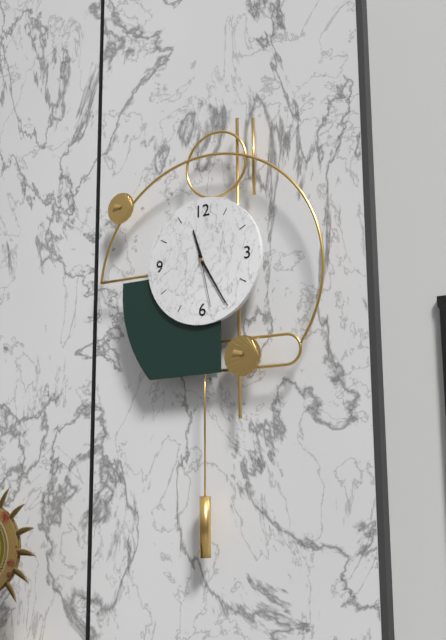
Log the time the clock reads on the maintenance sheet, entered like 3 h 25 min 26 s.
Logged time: 11 h 25 min 28 s
